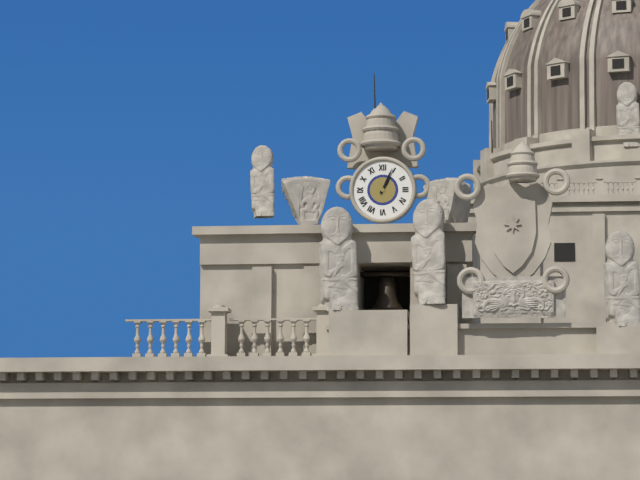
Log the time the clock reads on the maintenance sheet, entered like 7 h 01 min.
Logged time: 1 h 04 min
